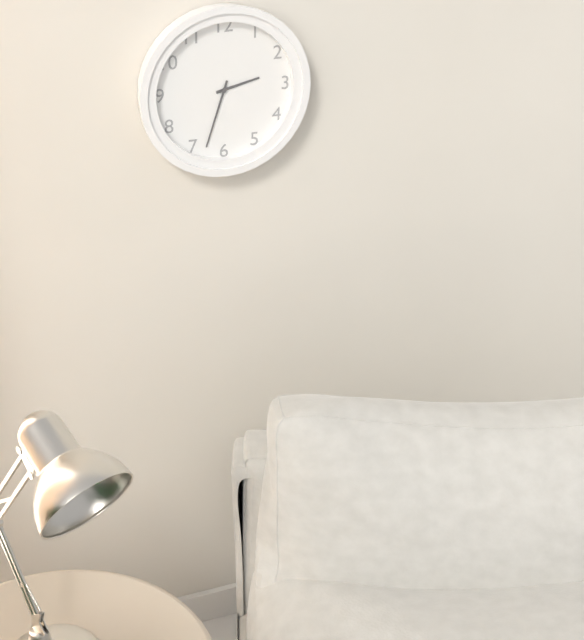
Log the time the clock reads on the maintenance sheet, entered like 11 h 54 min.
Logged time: 2 h 33 min
